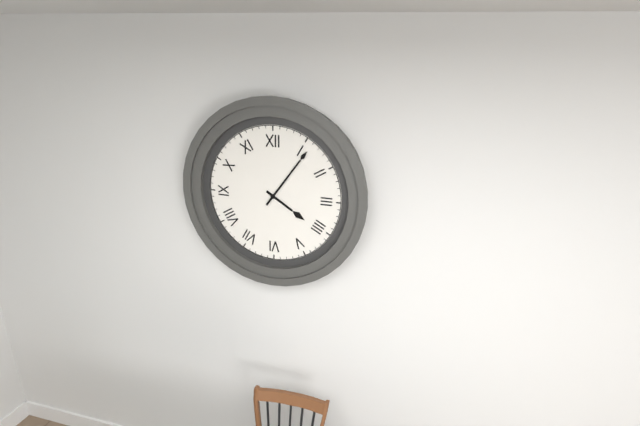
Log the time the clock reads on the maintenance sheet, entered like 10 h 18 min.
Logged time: 4 h 06 min
